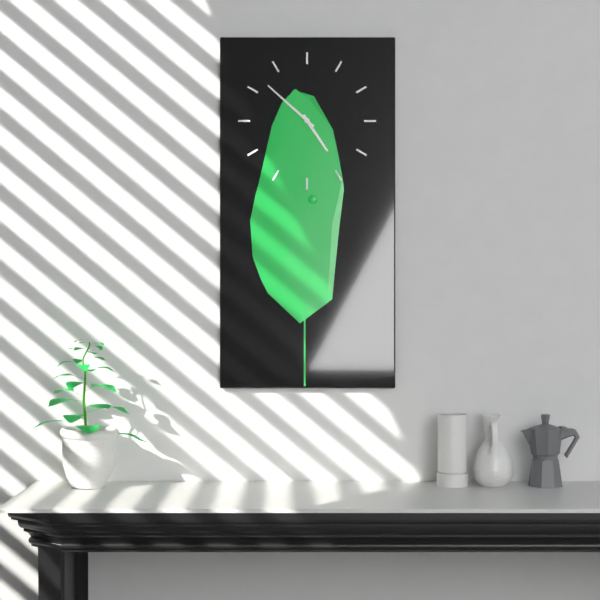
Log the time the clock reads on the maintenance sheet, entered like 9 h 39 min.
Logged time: 4 h 52 min
